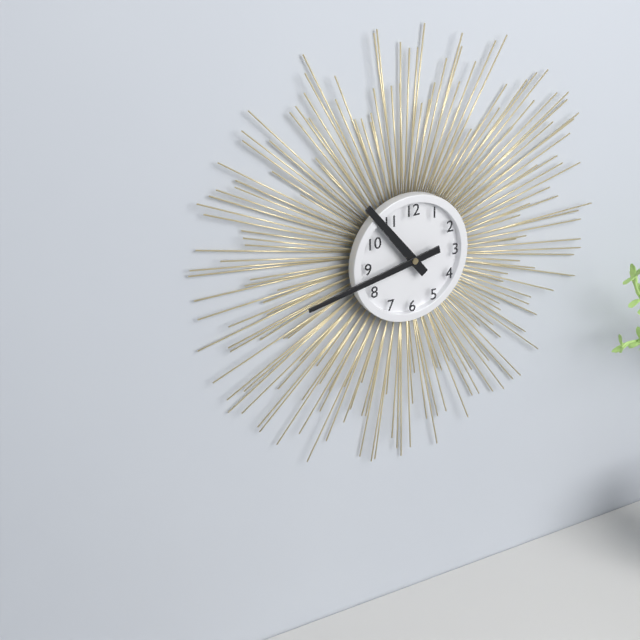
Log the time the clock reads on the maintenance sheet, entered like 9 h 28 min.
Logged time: 10 h 43 min
